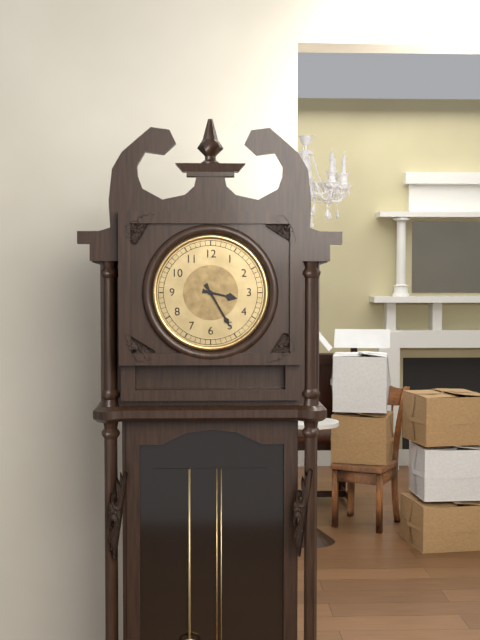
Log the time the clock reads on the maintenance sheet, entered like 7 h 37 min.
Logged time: 3 h 25 min
